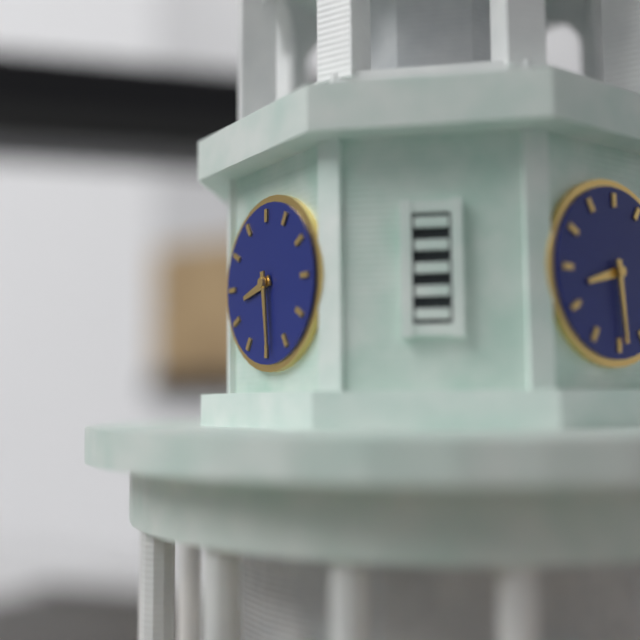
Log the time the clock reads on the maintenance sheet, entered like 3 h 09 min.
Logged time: 8 h 29 min
